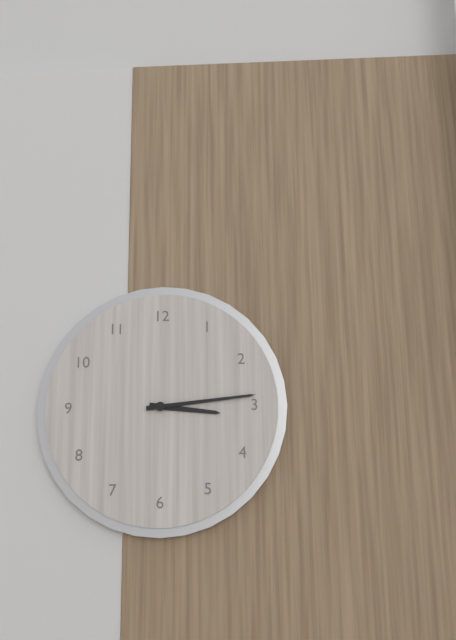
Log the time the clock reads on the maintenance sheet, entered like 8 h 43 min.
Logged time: 3 h 14 min
